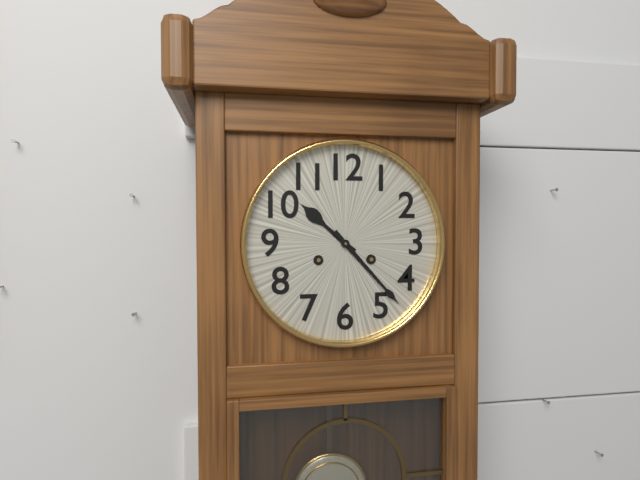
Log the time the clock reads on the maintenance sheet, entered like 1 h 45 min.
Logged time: 10 h 23 min
